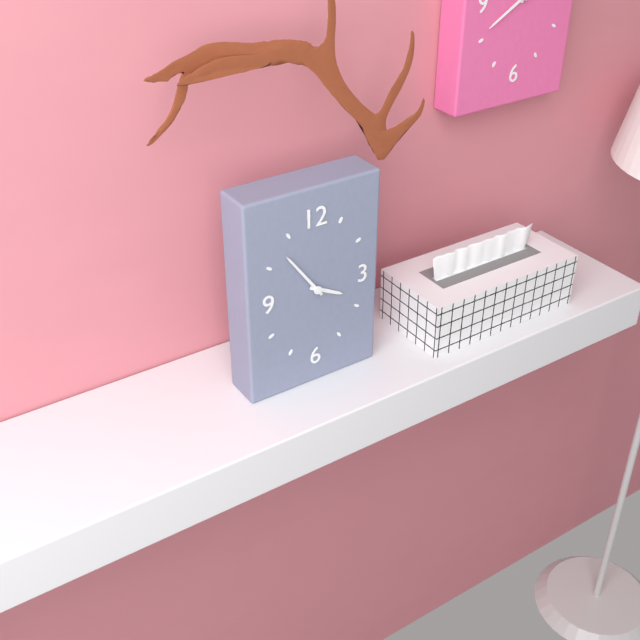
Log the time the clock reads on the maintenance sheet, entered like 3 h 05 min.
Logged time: 3 h 54 min
